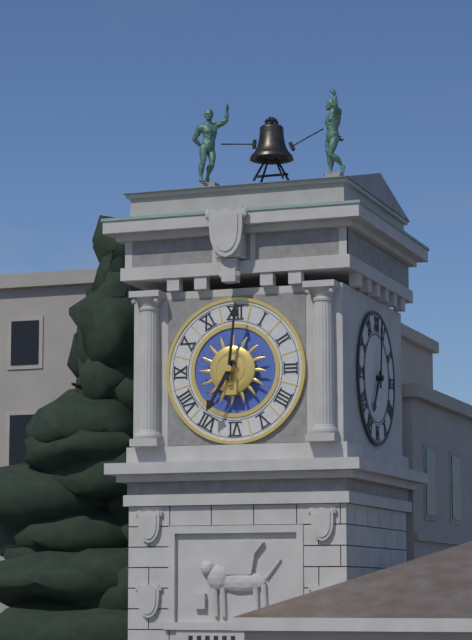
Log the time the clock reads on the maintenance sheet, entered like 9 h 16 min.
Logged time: 7 h 01 min
